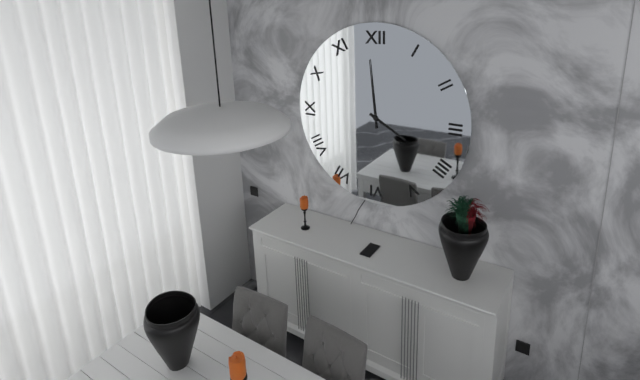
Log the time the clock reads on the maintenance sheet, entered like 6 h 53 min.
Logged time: 3 h 59 min
